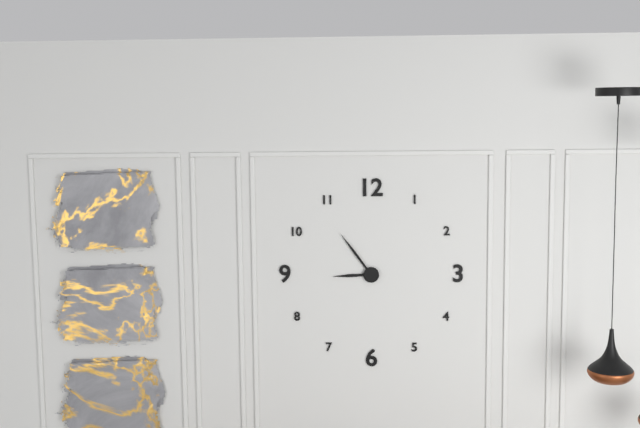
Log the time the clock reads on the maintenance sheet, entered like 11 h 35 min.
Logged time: 8 h 54 min
